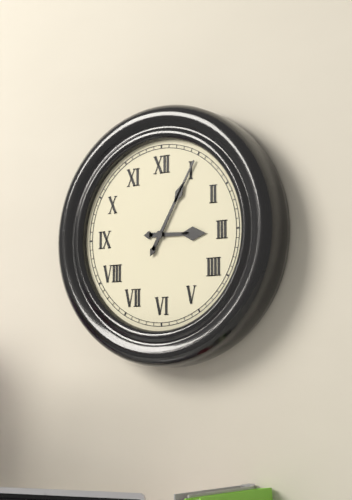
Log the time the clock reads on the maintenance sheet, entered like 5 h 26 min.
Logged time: 3 h 05 min
